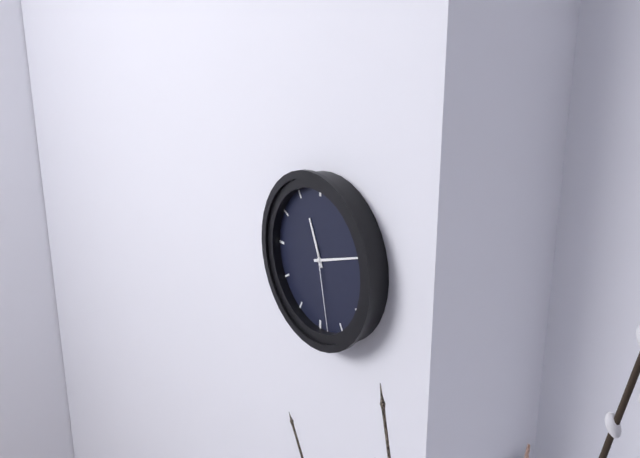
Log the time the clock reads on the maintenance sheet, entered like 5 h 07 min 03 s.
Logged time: 11 h 12 min 28 s
